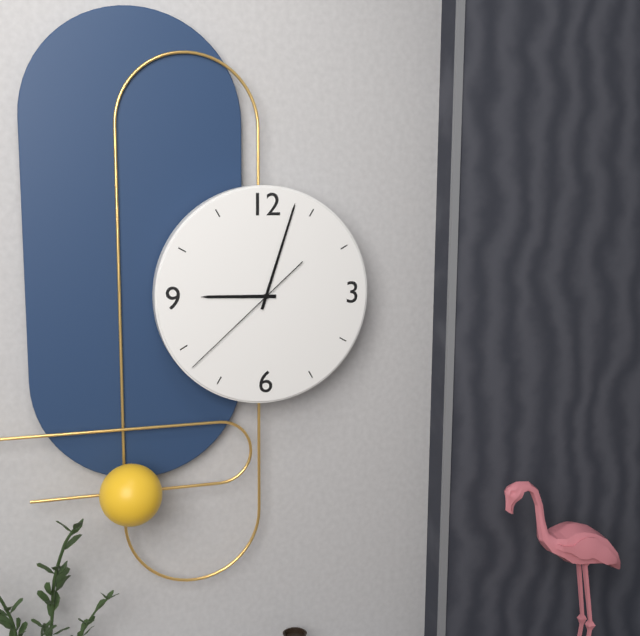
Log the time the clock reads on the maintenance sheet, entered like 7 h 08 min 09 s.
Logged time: 9 h 03 min 38 s
